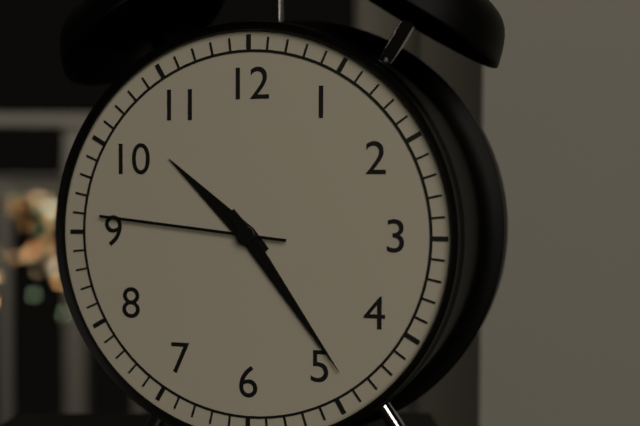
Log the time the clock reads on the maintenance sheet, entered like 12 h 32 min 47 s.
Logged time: 10 h 24 min 46 s
